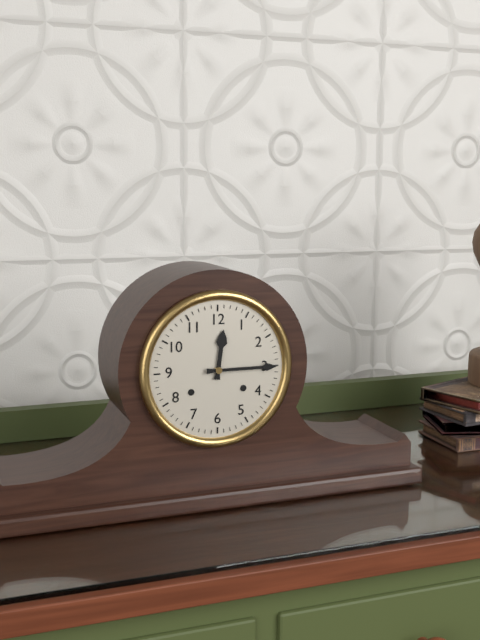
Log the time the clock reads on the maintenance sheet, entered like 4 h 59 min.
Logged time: 12 h 15 min
